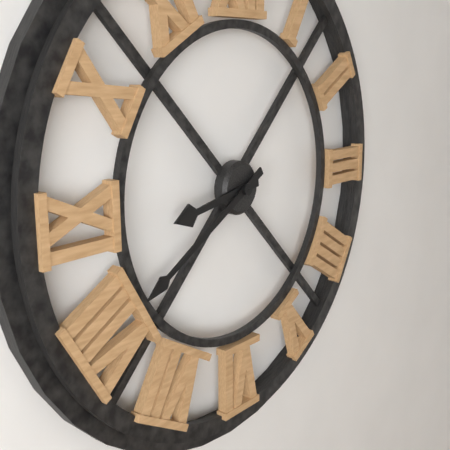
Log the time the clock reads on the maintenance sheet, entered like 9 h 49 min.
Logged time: 8 h 40 min
